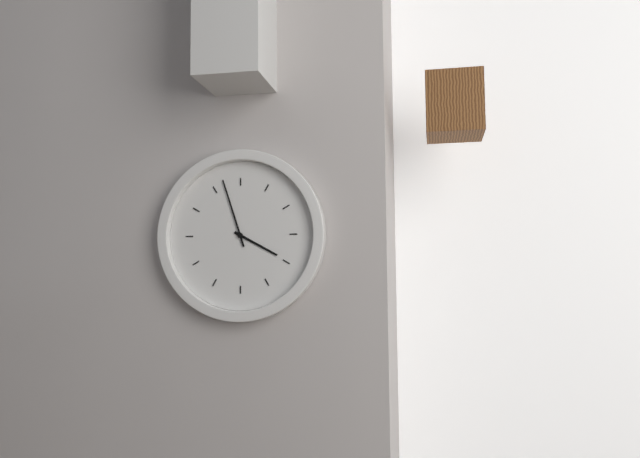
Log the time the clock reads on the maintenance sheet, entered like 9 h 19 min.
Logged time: 3 h 57 min
